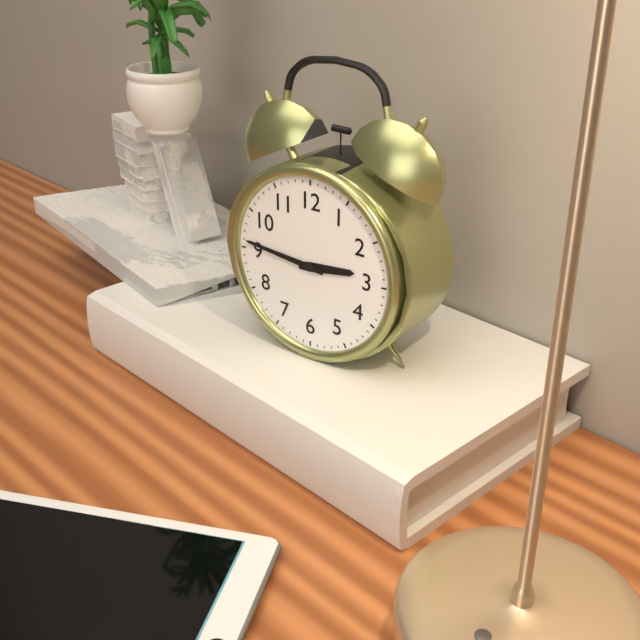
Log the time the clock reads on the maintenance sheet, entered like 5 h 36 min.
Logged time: 2 h 46 min
